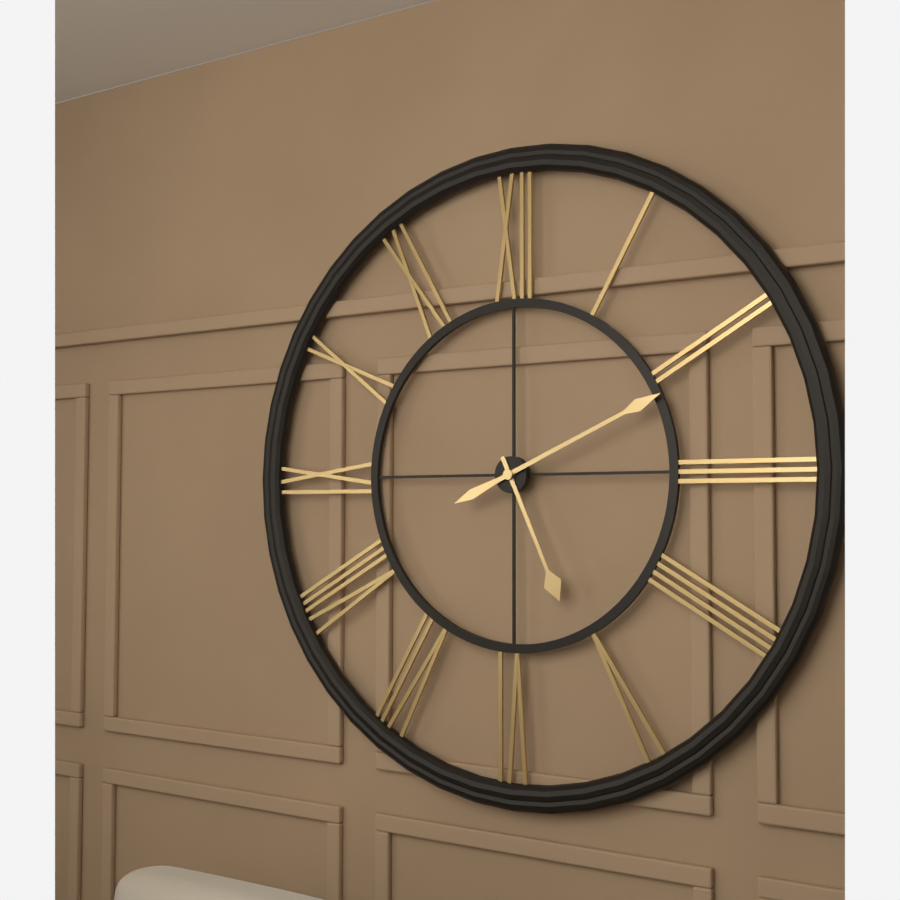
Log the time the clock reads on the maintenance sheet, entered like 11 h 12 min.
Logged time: 5 h 11 min
